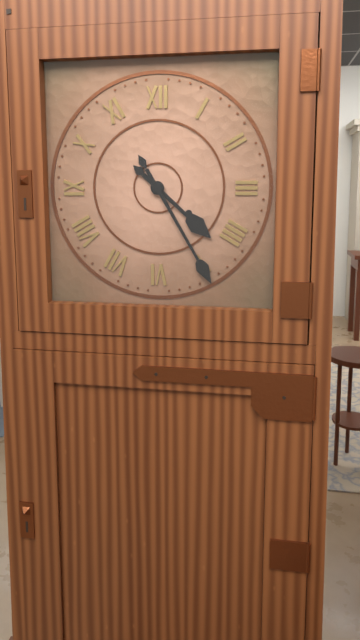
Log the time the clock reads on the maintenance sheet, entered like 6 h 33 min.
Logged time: 4 h 25 min
